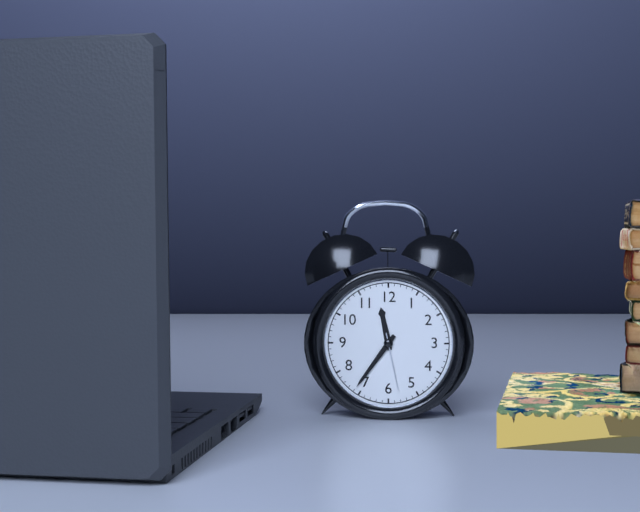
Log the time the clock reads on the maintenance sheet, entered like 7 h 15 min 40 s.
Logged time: 11 h 36 min 28 s
